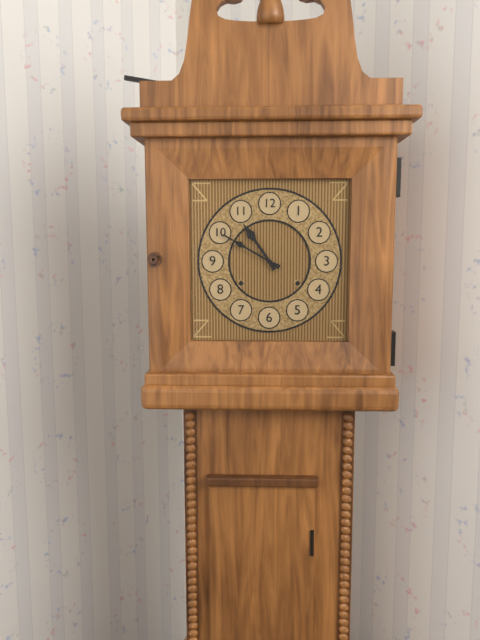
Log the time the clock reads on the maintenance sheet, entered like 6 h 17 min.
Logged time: 10 h 50 min
